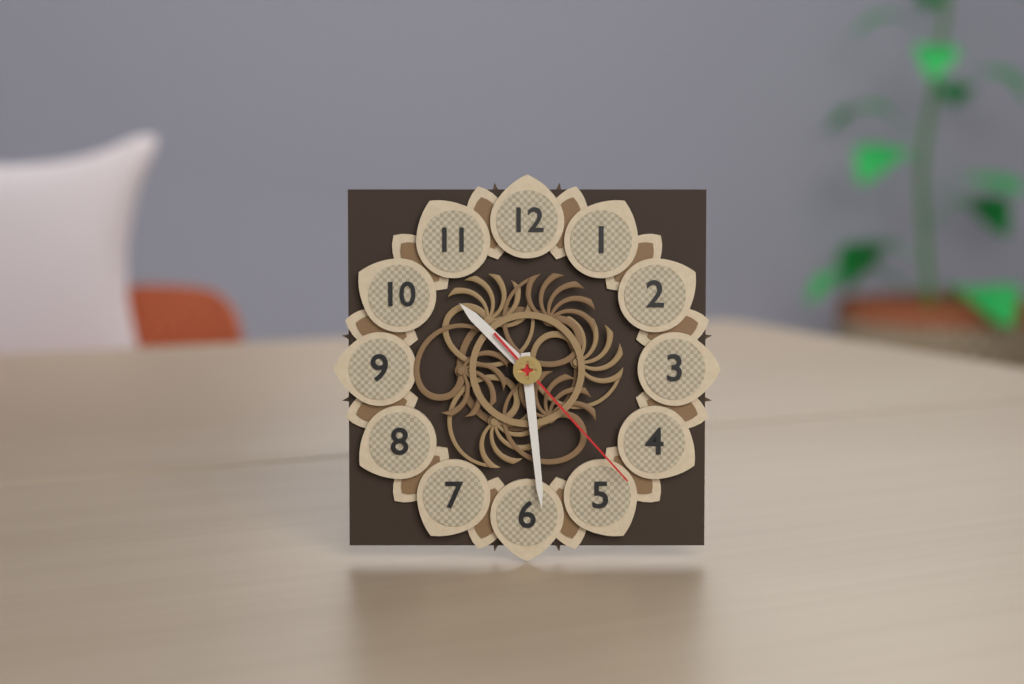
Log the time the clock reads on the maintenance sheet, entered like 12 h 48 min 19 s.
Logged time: 10 h 29 min 23 s
